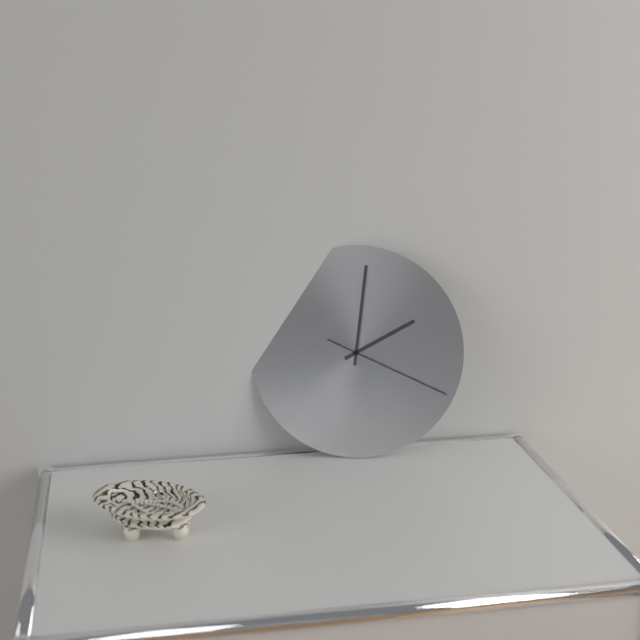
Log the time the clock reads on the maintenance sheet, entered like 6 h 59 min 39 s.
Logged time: 2 h 01 min 19 s
